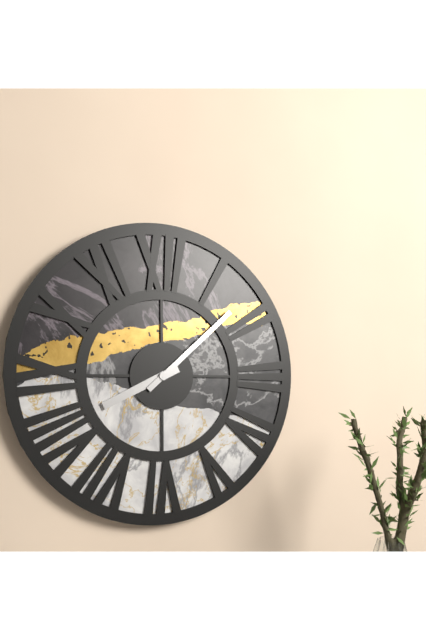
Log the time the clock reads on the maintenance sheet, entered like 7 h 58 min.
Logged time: 8 h 08 min
